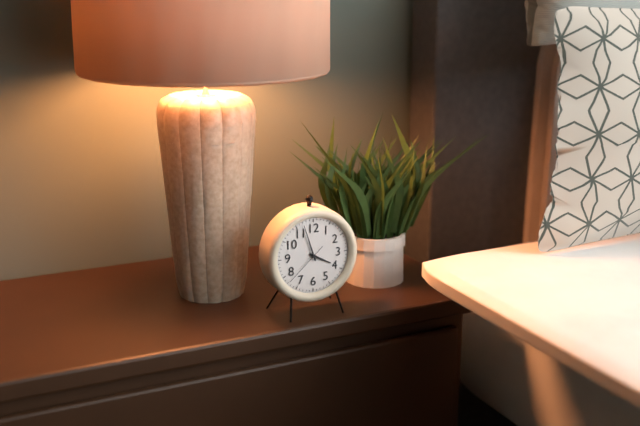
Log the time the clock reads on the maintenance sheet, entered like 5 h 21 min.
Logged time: 3 h 57 min
